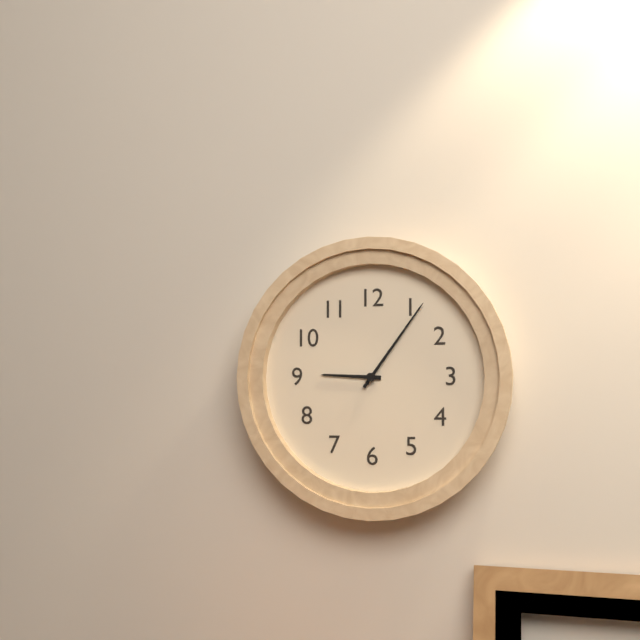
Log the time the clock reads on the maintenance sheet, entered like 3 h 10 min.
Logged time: 9 h 06 min
